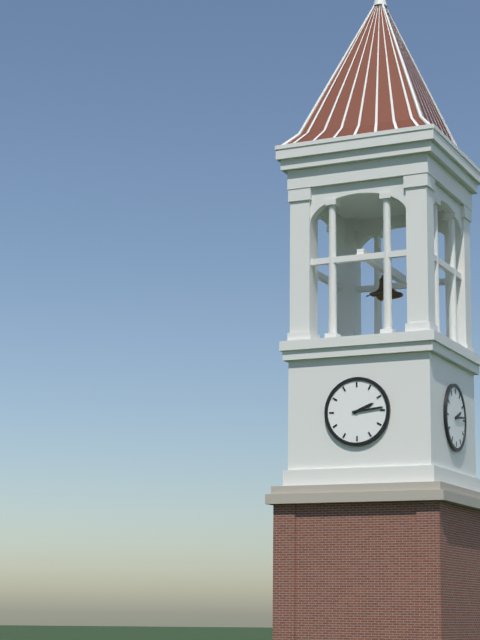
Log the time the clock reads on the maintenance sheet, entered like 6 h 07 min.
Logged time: 2 h 14 min
